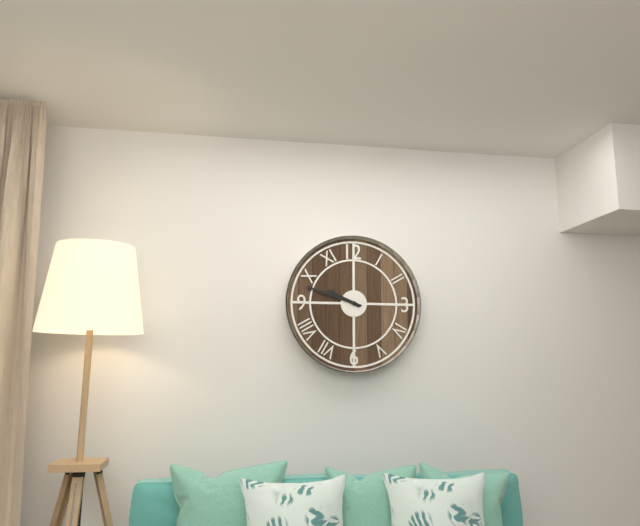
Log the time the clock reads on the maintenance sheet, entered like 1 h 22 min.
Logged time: 9 h 48 min
